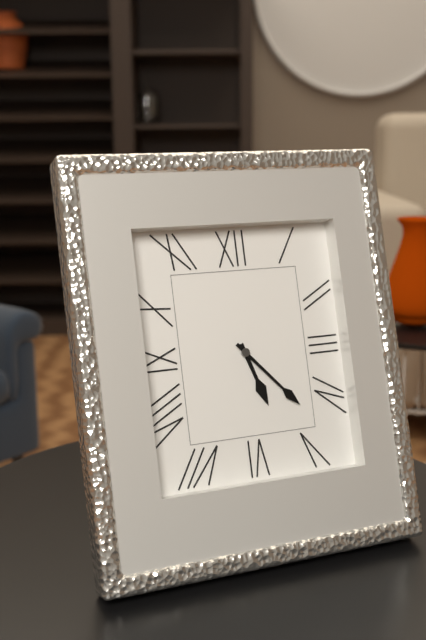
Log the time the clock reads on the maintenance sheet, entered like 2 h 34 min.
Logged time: 5 h 23 min
